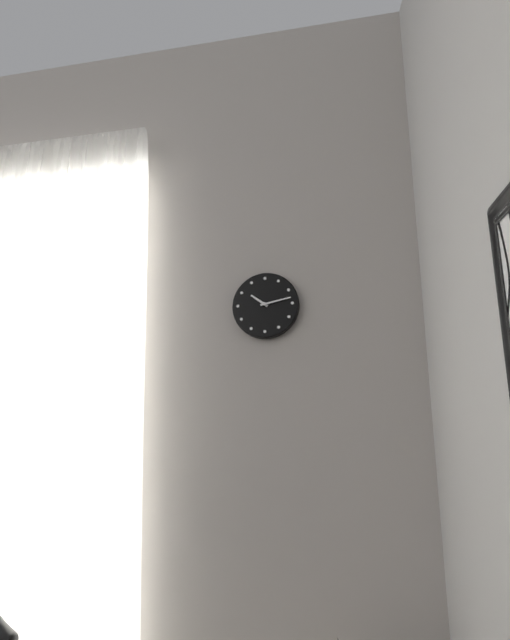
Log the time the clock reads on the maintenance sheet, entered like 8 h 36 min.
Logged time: 10 h 13 min
